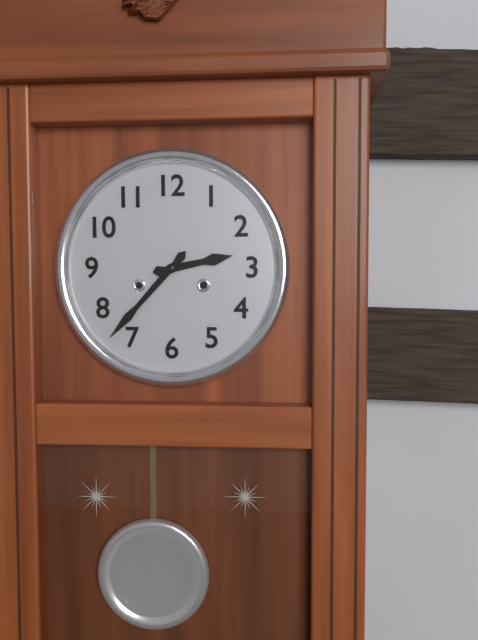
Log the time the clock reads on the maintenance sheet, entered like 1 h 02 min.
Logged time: 2 h 37 min
